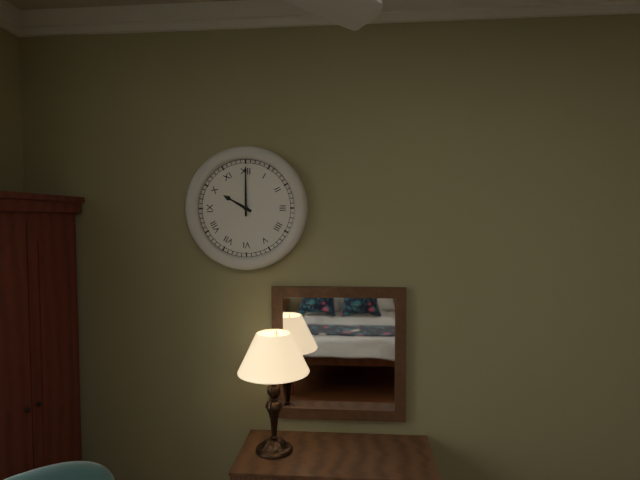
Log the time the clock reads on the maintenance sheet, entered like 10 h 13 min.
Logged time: 10 h 00 min
